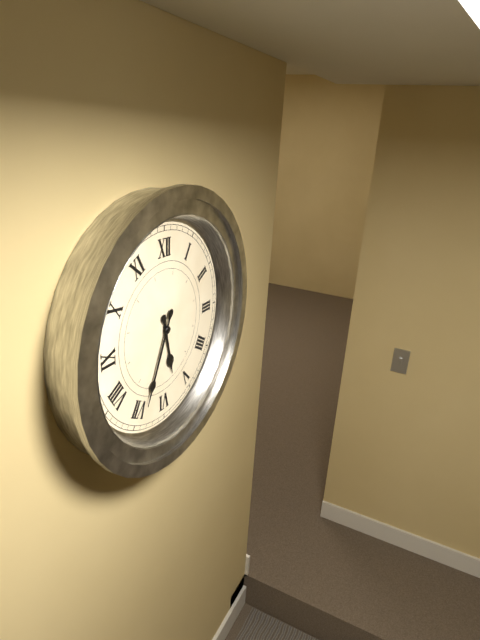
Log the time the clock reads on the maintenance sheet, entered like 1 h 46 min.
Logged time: 5 h 34 min
